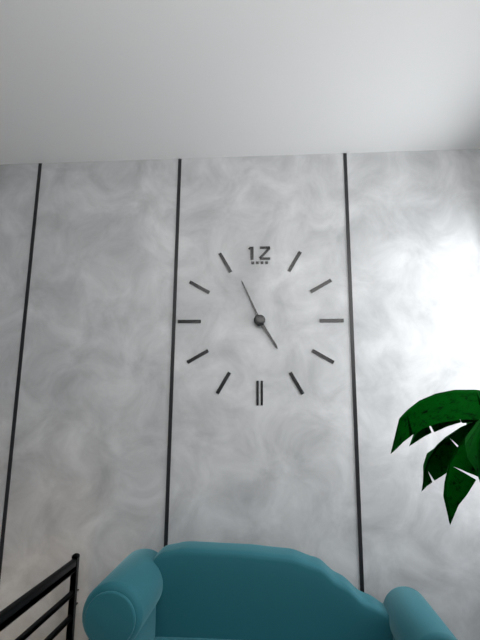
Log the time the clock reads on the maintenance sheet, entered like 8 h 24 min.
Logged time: 4 h 56 min
